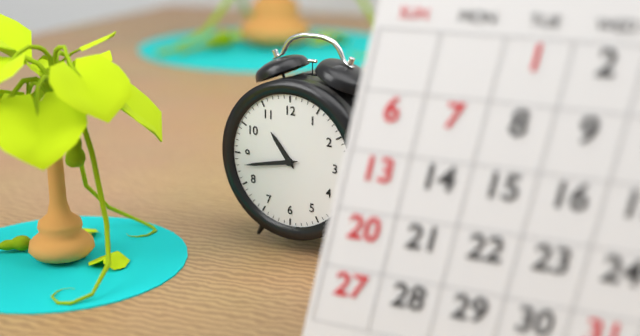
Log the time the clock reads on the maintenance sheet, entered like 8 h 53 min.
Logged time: 10 h 43 min
